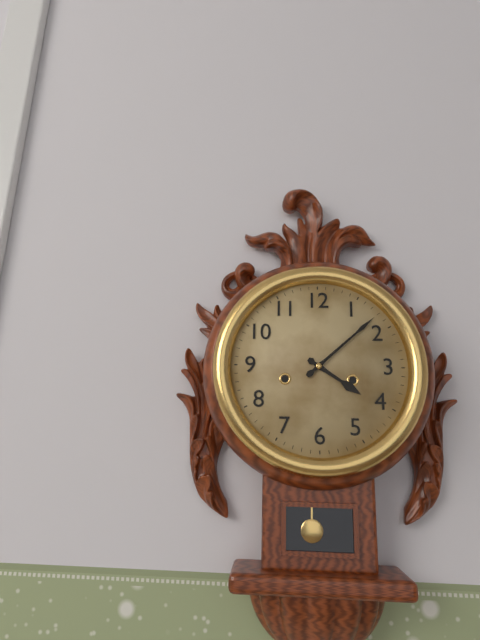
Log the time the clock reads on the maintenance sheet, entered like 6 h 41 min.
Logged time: 4 h 08 min
